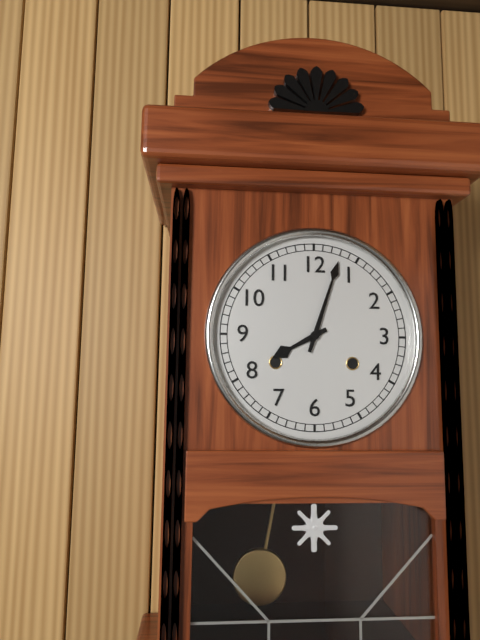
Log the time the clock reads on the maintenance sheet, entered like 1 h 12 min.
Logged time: 8 h 03 min
